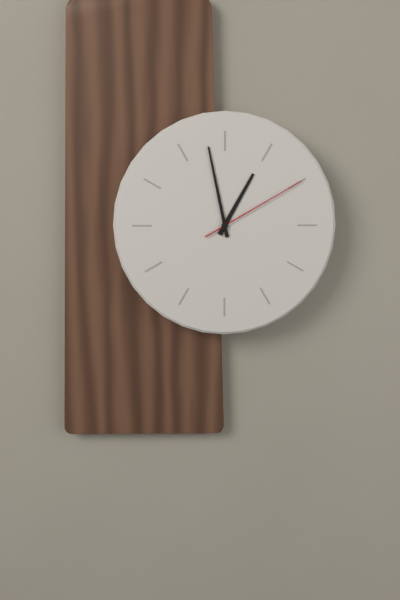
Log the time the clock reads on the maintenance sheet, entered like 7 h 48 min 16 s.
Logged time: 12 h 58 min 10 s
